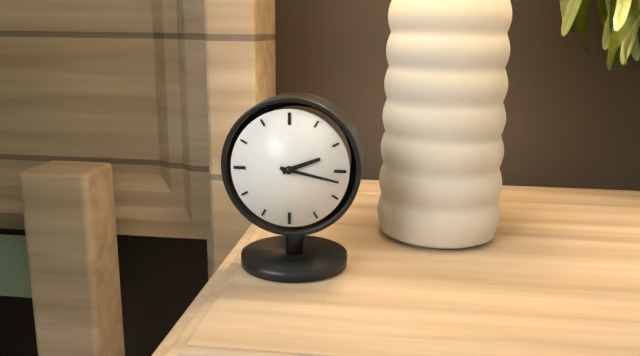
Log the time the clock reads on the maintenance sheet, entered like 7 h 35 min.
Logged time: 2 h 17 min
